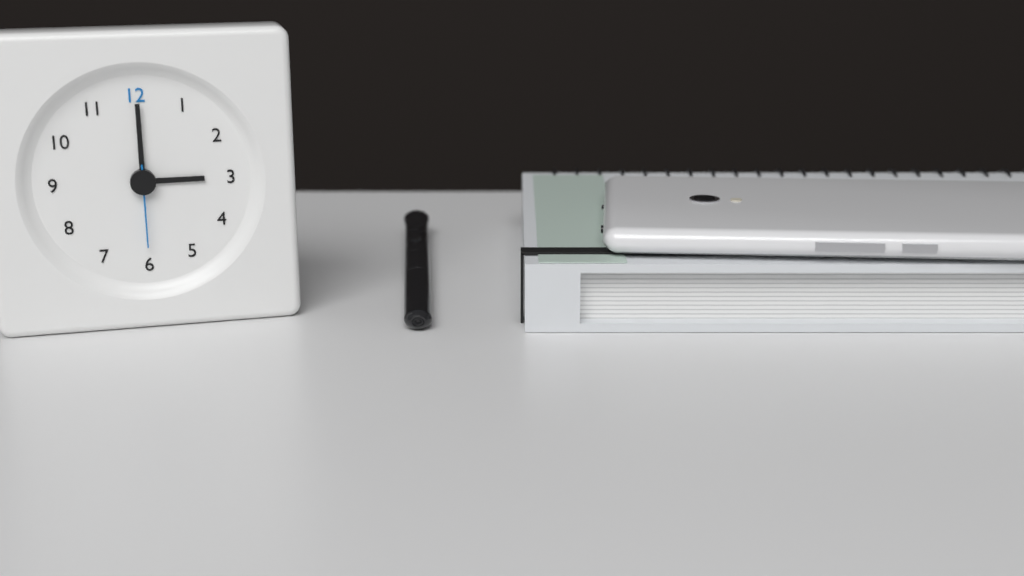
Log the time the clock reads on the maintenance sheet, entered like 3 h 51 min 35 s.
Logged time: 3 h 00 min 30 s
